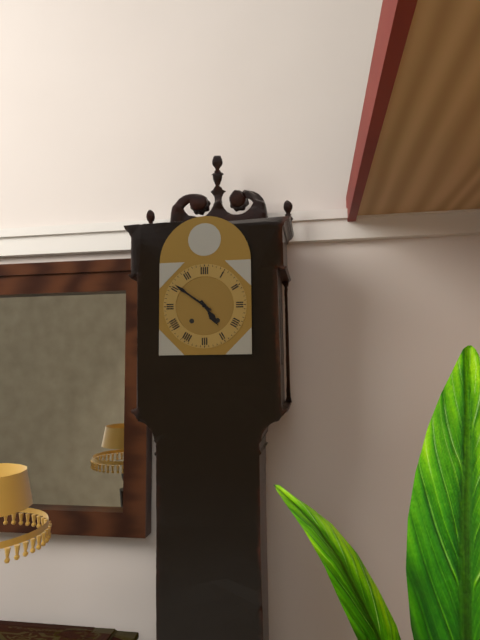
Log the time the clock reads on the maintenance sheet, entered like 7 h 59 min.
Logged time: 4 h 51 min
